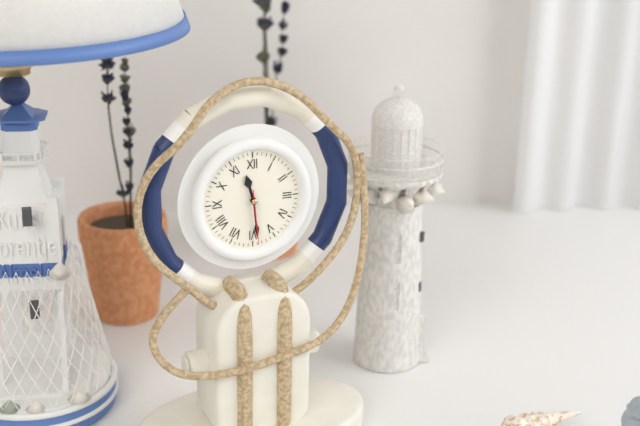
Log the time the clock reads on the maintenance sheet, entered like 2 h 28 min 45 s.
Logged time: 11 h 29 min 29 s
